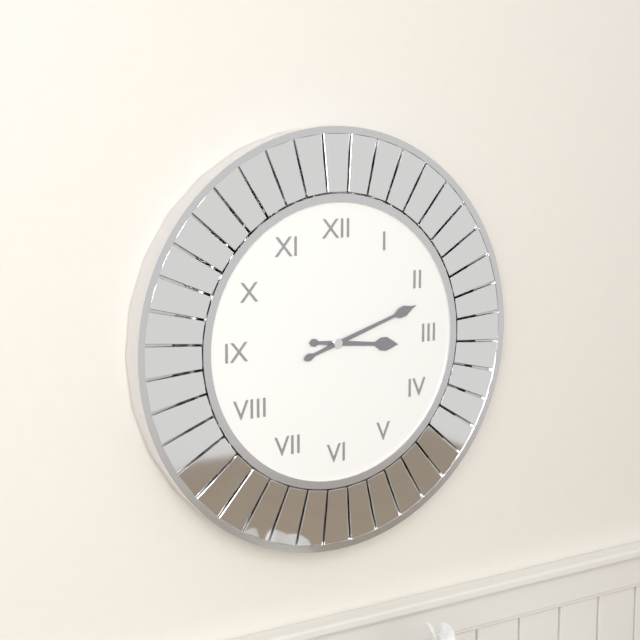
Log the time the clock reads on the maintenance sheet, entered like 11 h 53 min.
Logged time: 3 h 12 min
